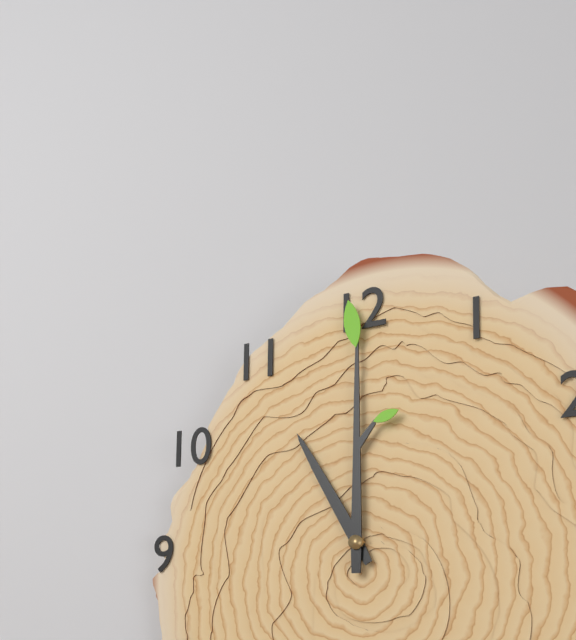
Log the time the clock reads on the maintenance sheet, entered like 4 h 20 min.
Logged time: 11 h 00 min
